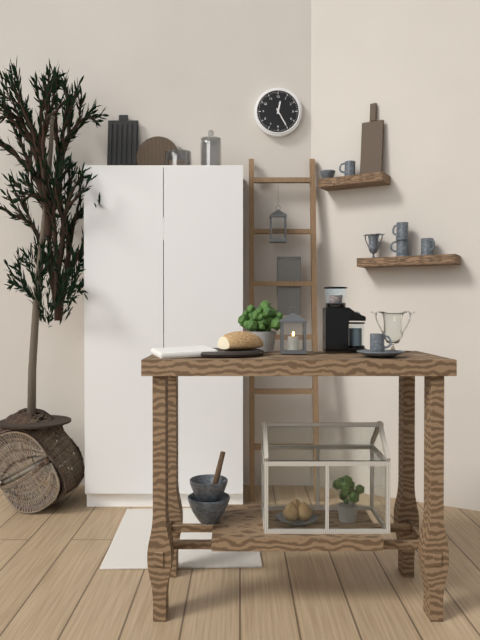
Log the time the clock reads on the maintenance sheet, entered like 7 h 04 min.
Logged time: 12 h 25 min
